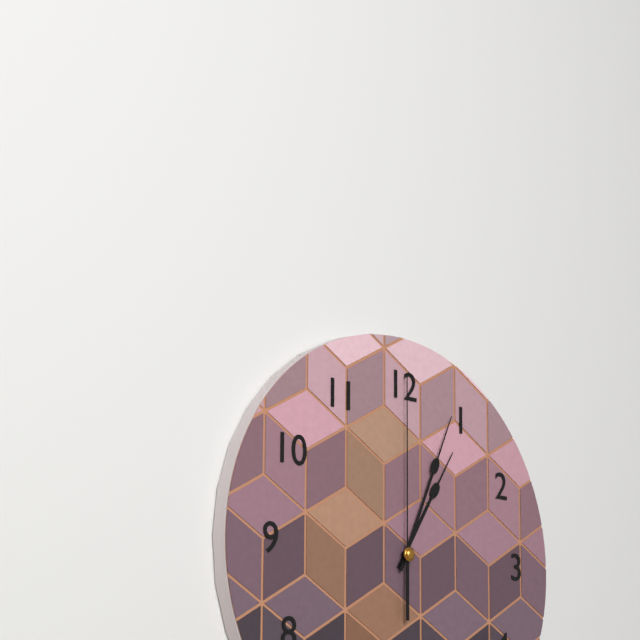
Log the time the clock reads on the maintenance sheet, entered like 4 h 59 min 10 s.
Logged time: 1 h 04 min 00 s
